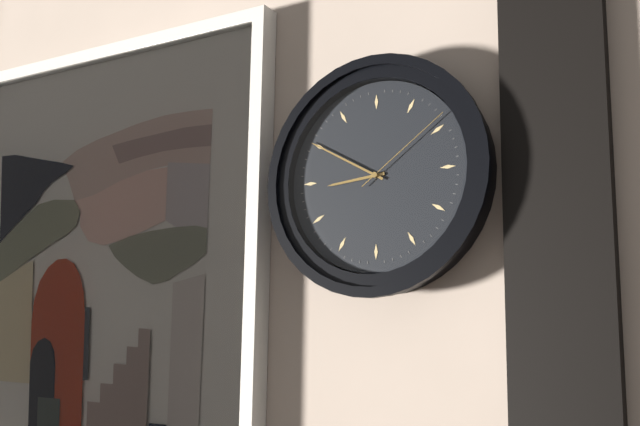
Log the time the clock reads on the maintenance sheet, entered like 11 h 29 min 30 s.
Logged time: 8 h 50 min 09 s
